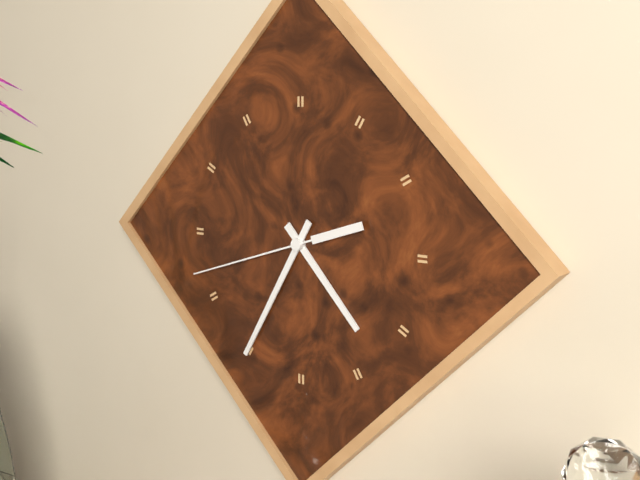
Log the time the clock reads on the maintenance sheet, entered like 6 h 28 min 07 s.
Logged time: 4 h 35 min 42 s
